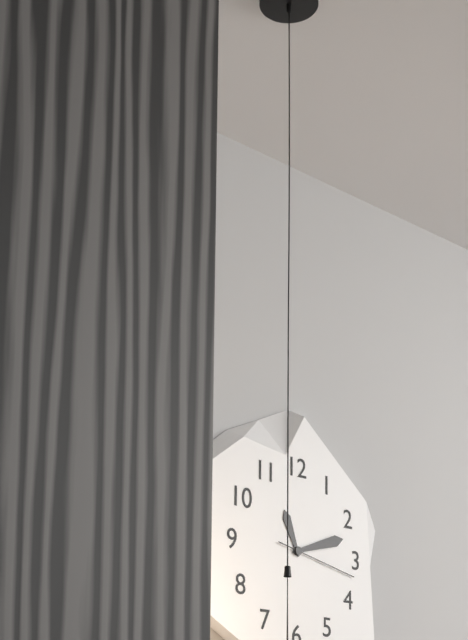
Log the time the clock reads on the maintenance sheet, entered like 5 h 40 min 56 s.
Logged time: 11 h 12 min 17 s
